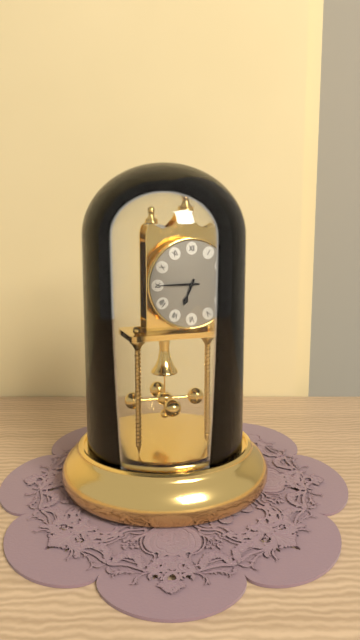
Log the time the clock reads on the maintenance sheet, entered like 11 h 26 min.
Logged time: 6 h 45 min
